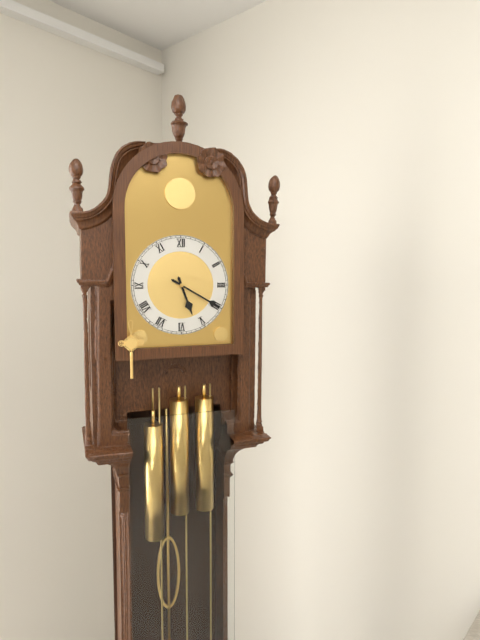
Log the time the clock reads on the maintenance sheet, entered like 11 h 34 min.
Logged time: 5 h 20 min
